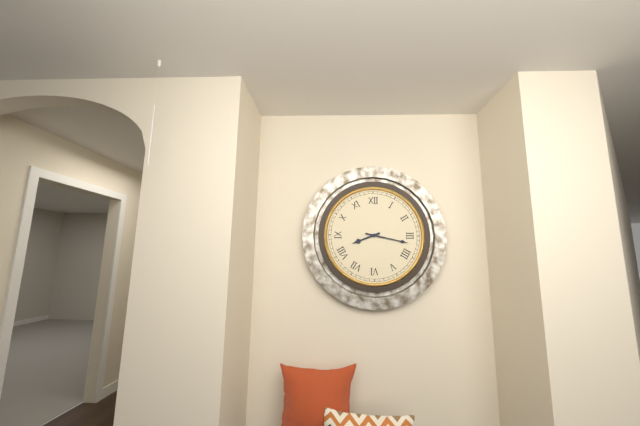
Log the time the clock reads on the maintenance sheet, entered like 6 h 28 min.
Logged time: 8 h 17 min
